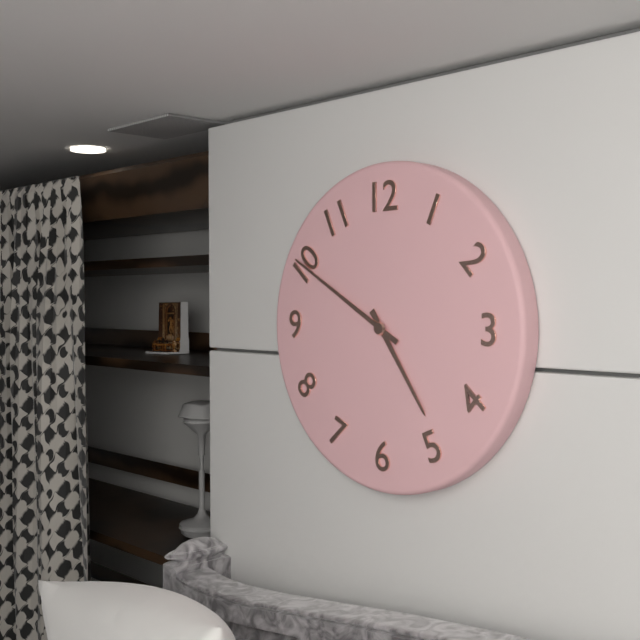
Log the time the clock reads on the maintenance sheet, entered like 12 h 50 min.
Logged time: 4 h 50 min
